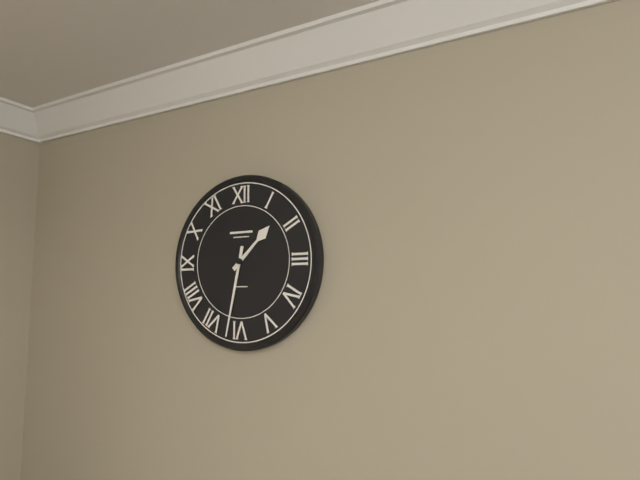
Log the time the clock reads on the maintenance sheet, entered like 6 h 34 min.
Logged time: 1 h 32 min
